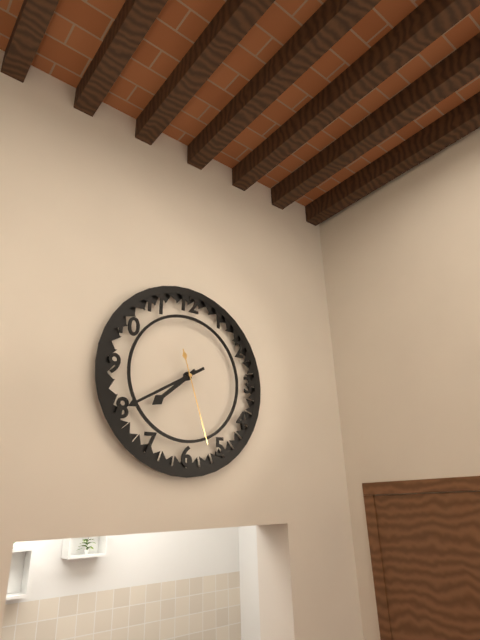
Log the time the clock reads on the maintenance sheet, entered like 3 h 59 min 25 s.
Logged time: 7 h 40 min 27 s
